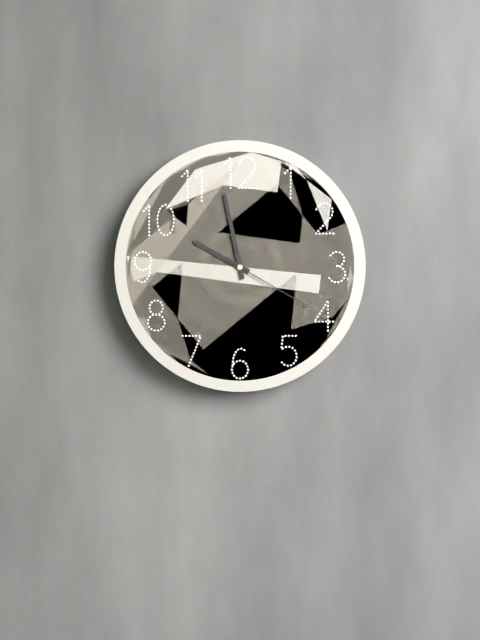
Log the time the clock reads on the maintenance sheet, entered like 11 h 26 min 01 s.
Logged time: 9 h 58 min 20 s
